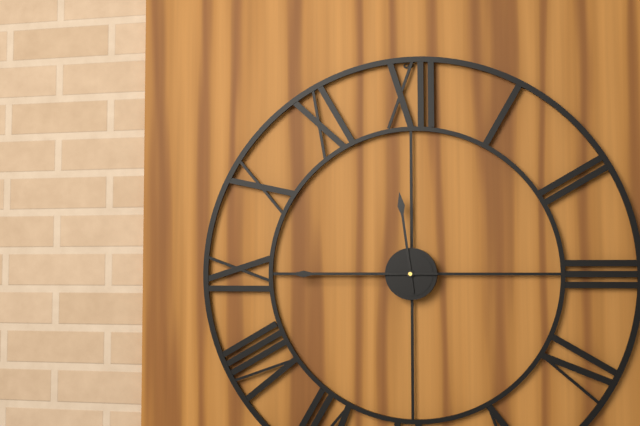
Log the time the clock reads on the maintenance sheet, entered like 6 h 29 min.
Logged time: 11 h 45 min
